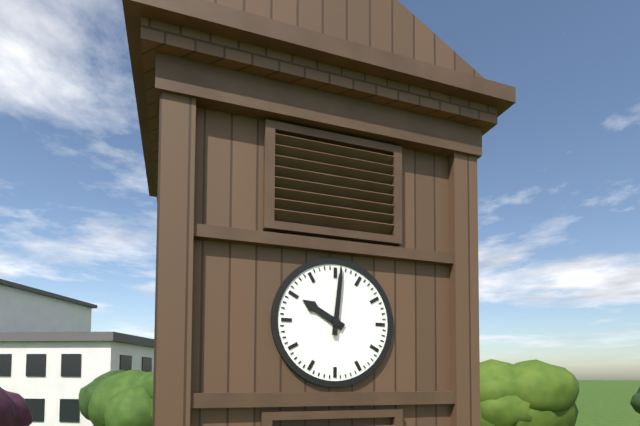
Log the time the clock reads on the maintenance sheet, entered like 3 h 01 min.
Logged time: 10 h 01 min
